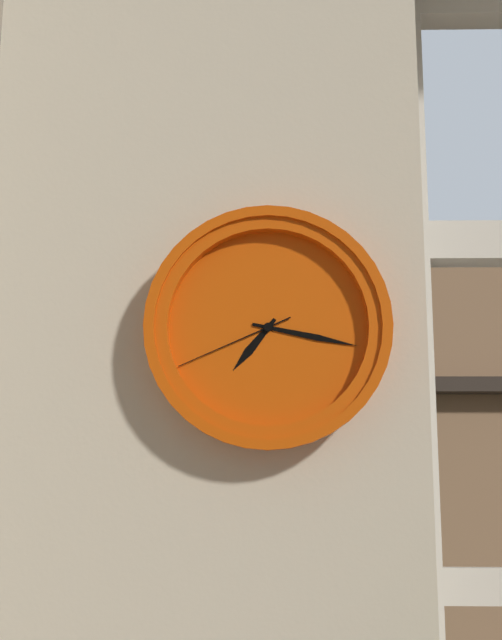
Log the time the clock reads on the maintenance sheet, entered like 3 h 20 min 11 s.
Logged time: 7 h 17 min 41 s
